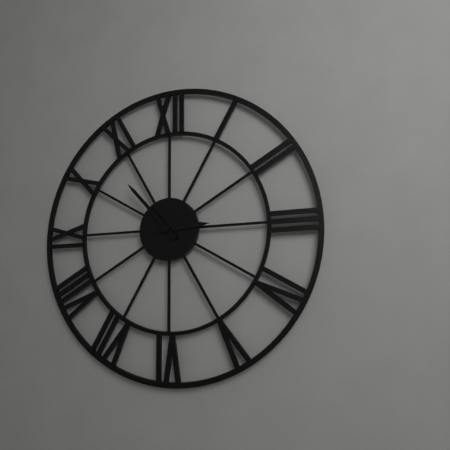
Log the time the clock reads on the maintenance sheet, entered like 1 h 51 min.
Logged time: 2 h 53 min
